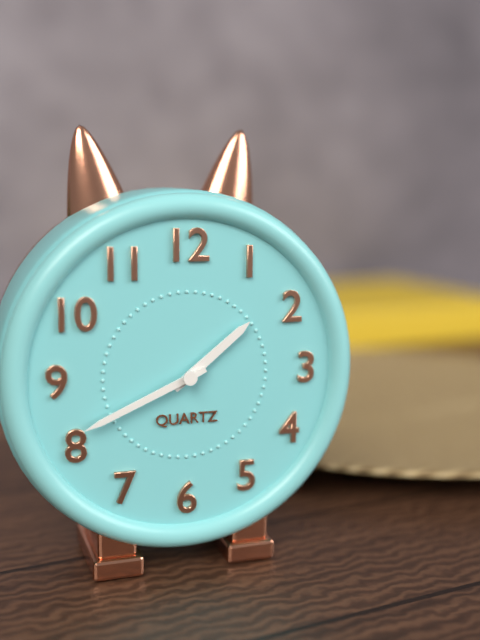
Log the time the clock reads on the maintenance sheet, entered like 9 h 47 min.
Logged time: 1 h 41 min
